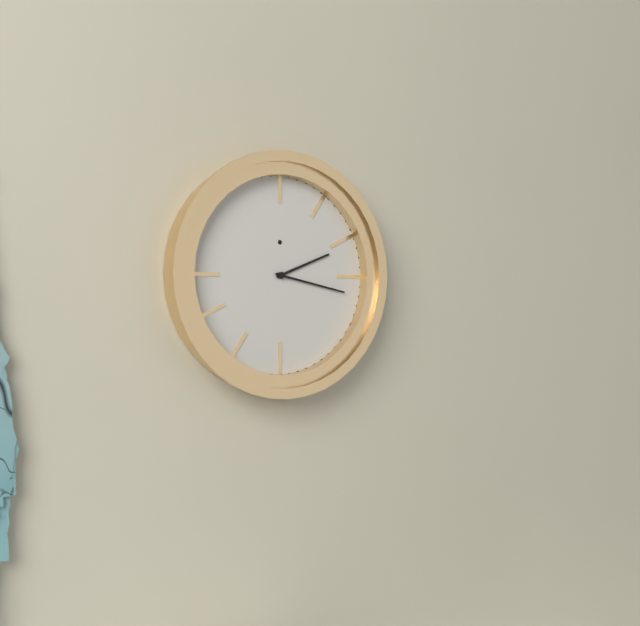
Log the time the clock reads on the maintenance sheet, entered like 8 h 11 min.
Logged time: 2 h 17 min
